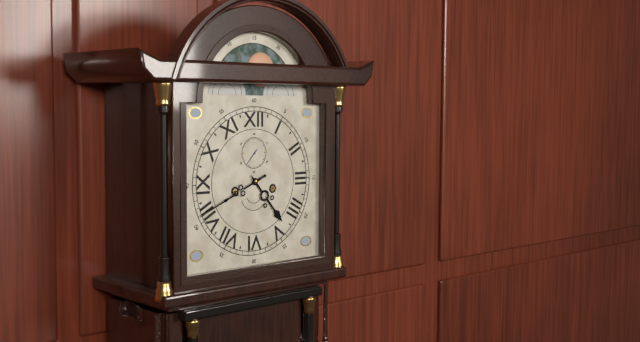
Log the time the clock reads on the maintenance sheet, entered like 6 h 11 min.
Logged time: 4 h 41 min
